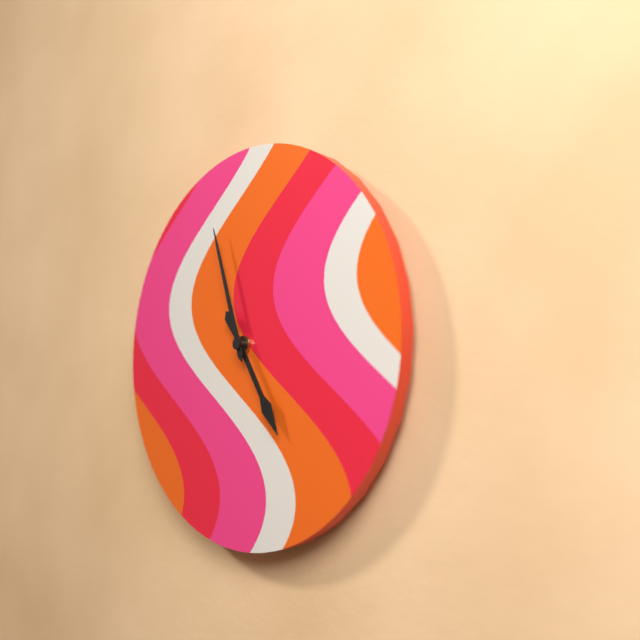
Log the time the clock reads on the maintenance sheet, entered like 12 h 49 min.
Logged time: 4 h 57 min
